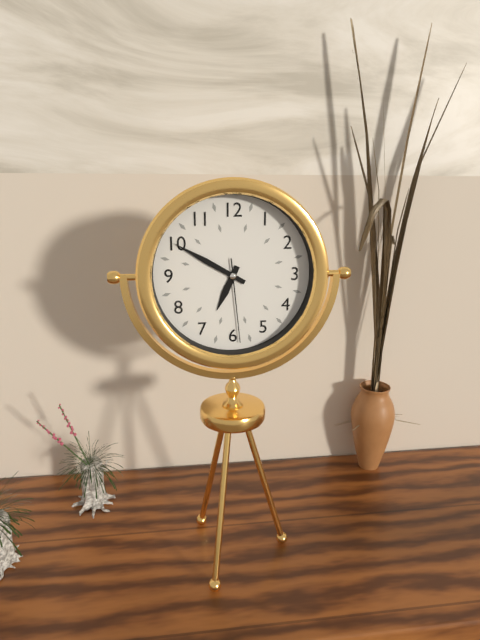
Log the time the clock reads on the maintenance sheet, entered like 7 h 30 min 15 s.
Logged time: 6 h 50 min 29 s
